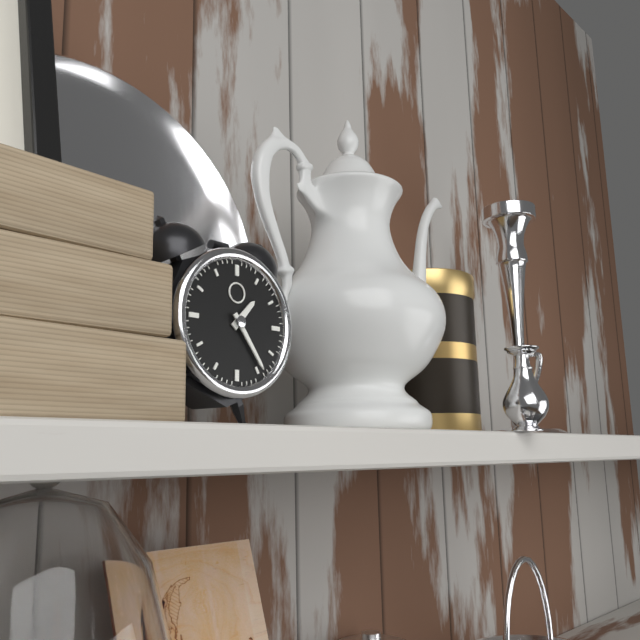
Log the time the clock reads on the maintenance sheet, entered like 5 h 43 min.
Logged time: 1 h 24 min
